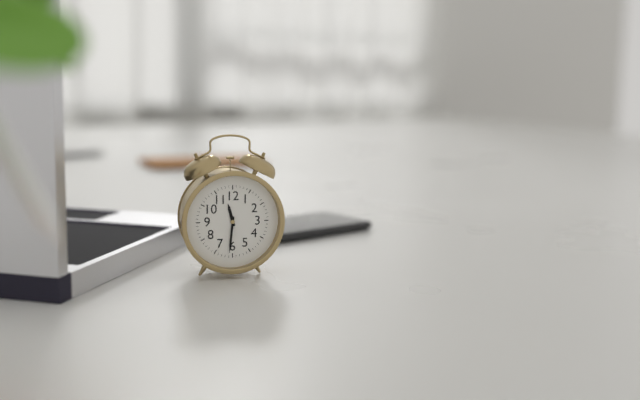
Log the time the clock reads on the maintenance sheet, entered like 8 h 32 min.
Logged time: 11 h 31 min
